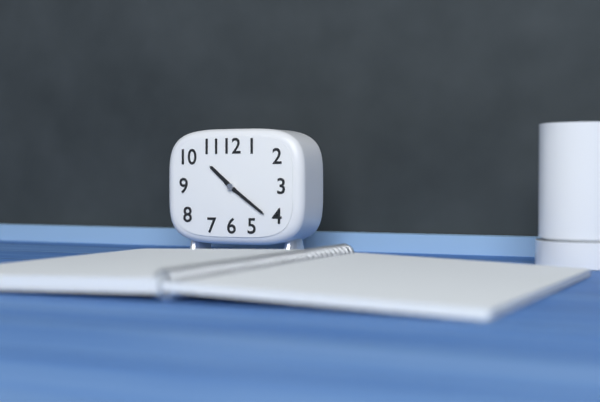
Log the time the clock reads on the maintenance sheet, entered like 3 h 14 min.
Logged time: 10 h 21 min
